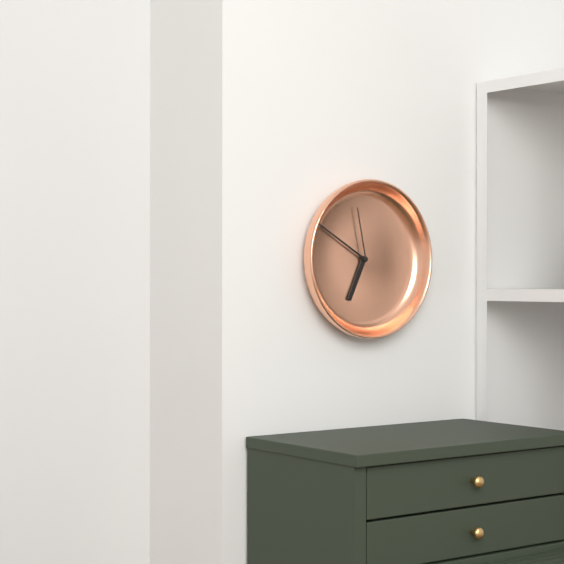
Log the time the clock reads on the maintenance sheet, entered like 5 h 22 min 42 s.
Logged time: 6 h 50 min 58 s
